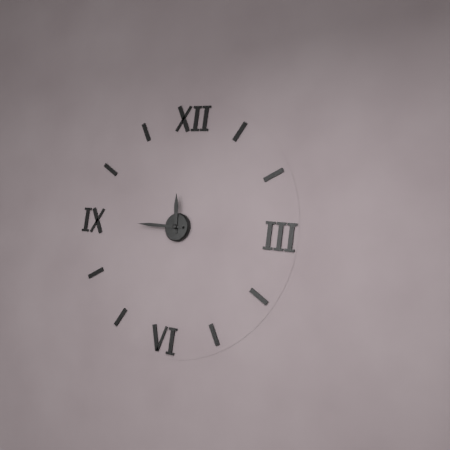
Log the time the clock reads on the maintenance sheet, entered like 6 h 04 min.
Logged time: 11 h 45 min
